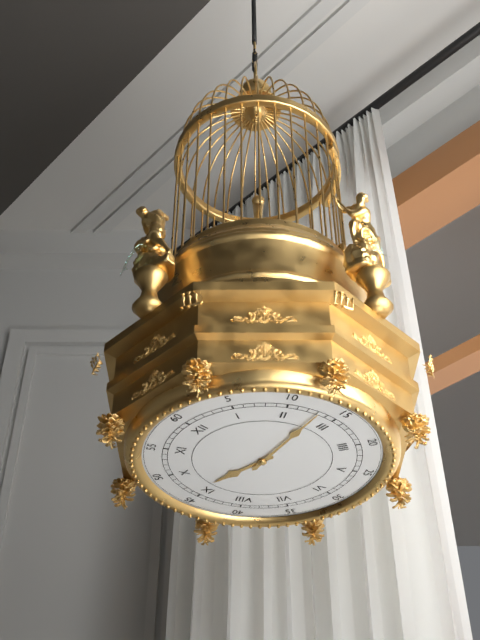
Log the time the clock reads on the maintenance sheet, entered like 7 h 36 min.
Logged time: 9 h 13 min
